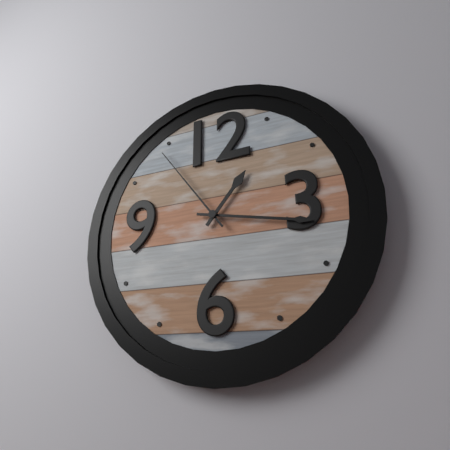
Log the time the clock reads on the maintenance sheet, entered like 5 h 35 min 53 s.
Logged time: 1 h 17 min 54 s
